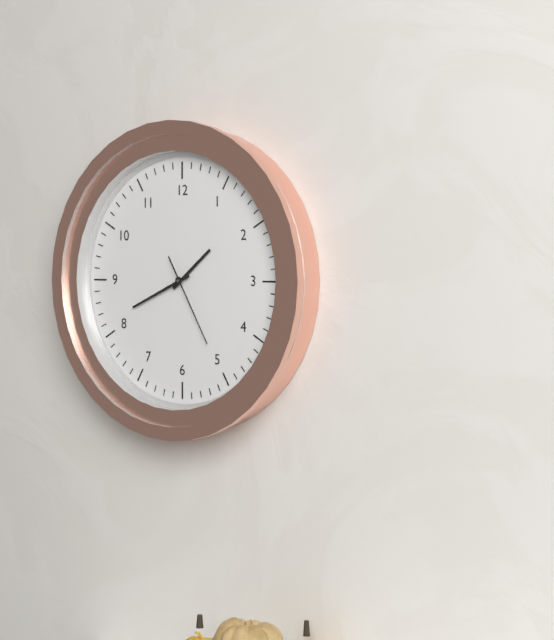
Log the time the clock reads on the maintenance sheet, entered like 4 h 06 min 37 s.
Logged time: 1 h 41 min 25 s
